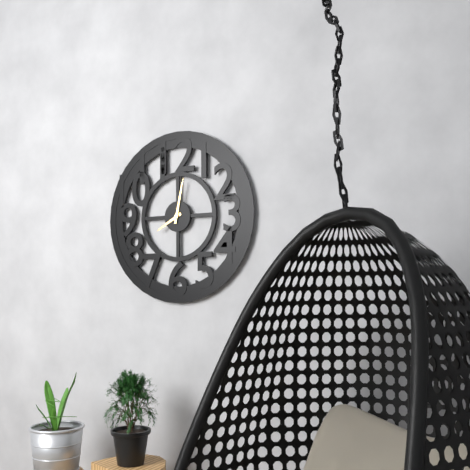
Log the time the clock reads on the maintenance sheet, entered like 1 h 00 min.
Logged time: 8 h 02 min
